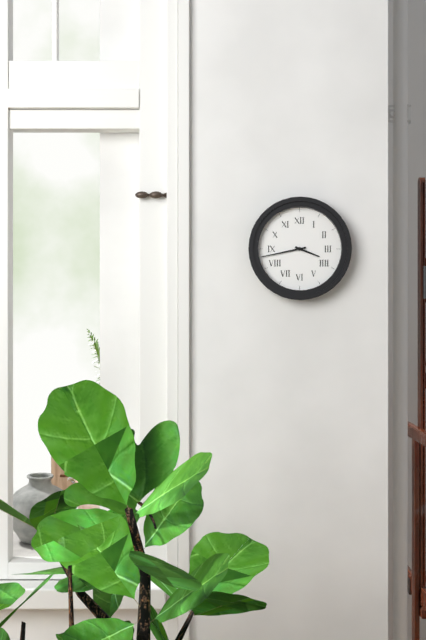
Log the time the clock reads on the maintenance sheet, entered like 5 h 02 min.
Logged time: 3 h 43 min
